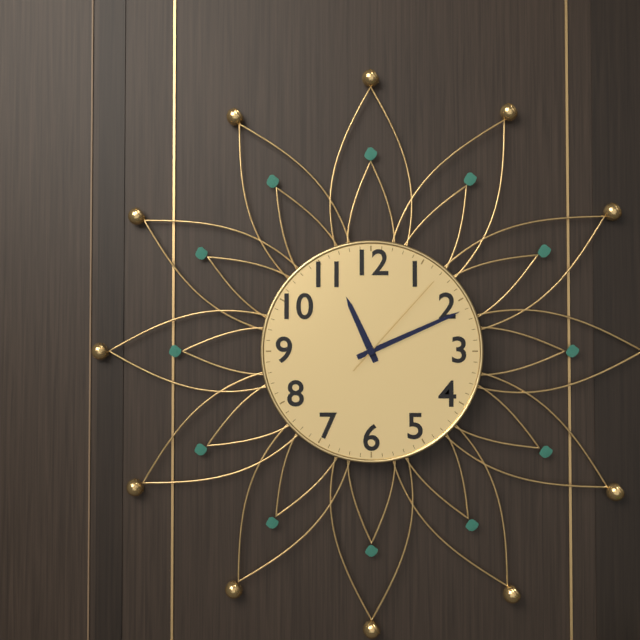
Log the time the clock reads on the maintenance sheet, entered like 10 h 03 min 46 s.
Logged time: 11 h 11 min 07 s
